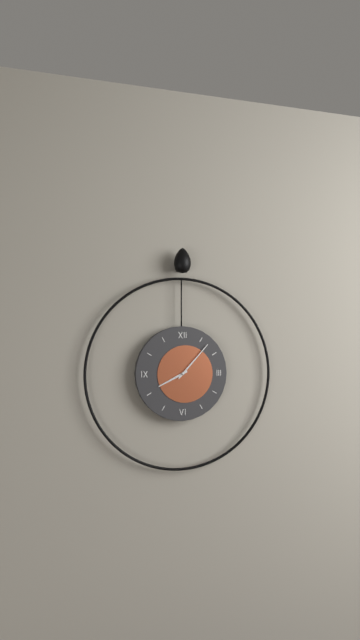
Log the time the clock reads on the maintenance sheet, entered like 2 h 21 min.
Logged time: 8 h 07 min
